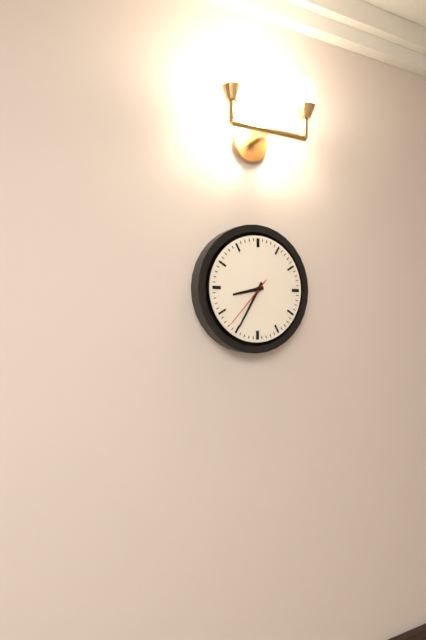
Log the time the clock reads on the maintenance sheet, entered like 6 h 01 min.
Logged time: 8 h 35 min
